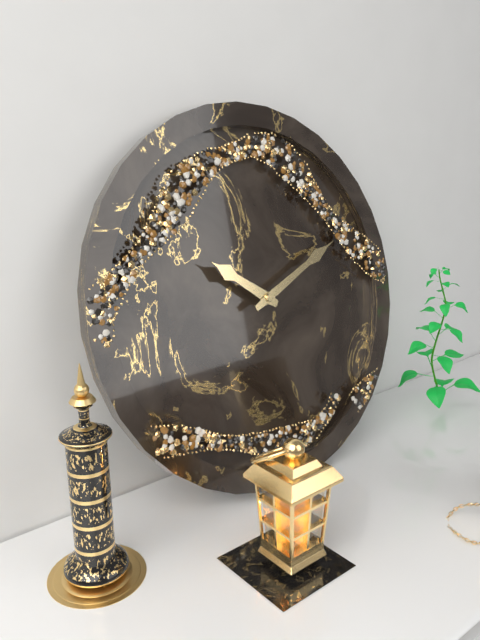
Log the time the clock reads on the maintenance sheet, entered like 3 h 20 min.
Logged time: 10 h 11 min
